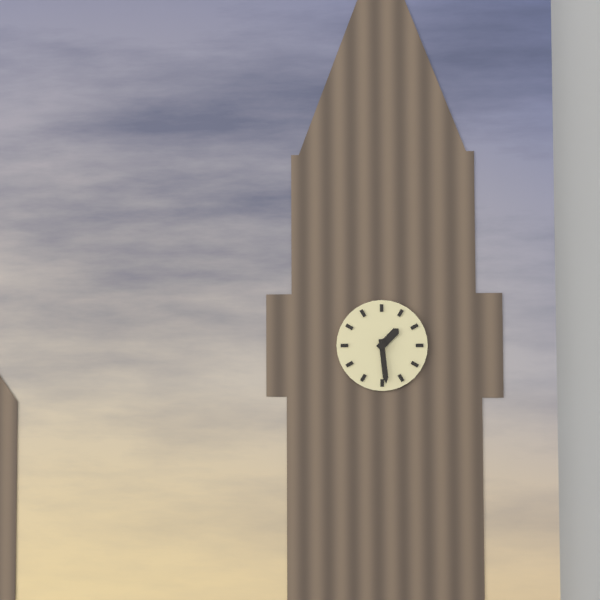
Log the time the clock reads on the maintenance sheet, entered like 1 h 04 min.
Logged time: 1 h 29 min
